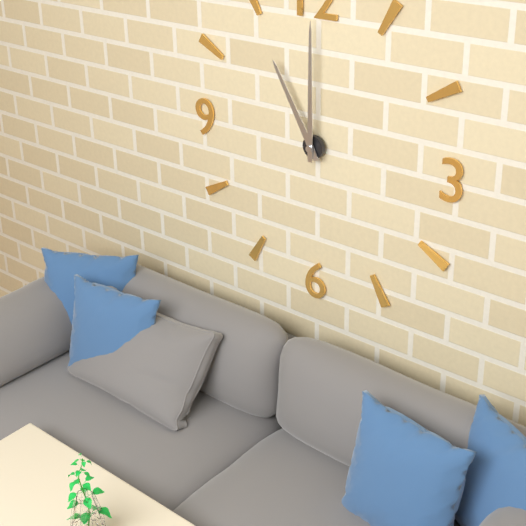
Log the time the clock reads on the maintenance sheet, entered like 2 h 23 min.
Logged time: 11 h 00 min
